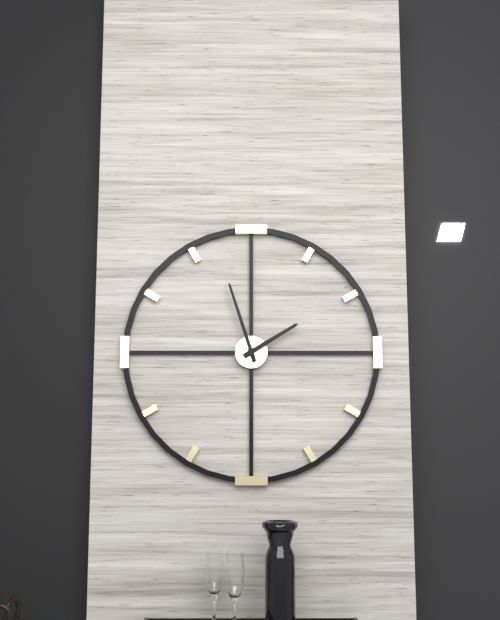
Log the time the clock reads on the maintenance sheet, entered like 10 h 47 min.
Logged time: 1 h 57 min
